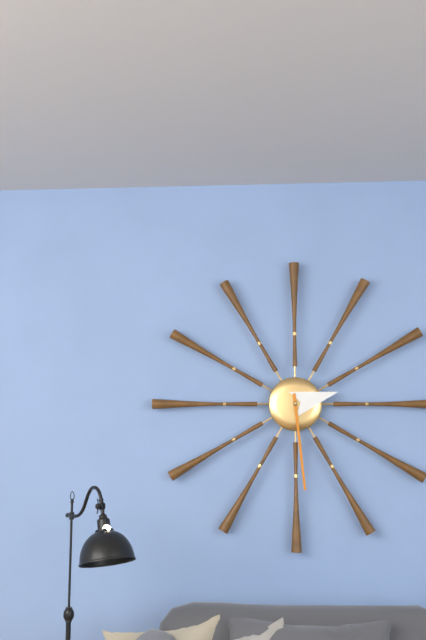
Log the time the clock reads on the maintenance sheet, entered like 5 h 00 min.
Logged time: 2 h 29 min
